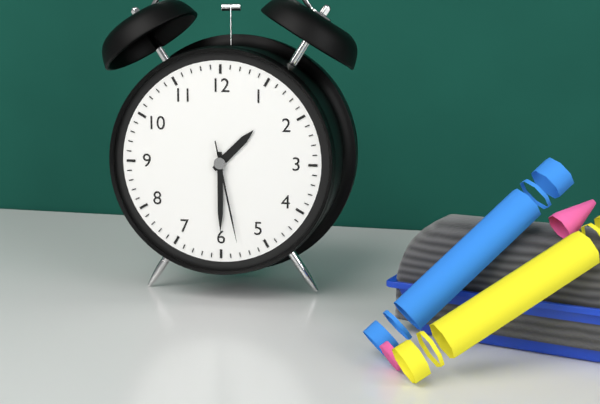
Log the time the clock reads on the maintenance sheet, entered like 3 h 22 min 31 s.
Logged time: 1 h 30 min 28 s
